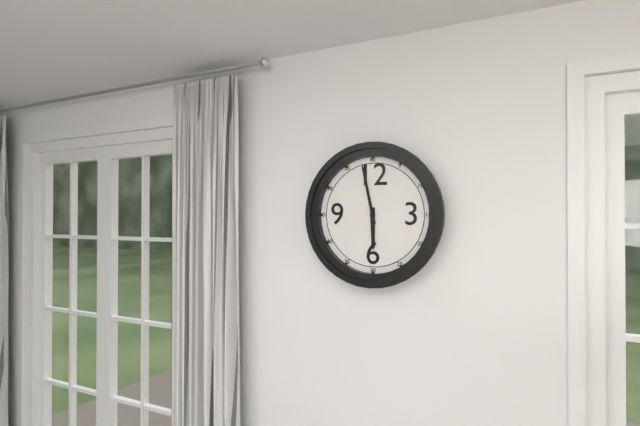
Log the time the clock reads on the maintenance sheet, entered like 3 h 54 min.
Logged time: 5 h 58 min
